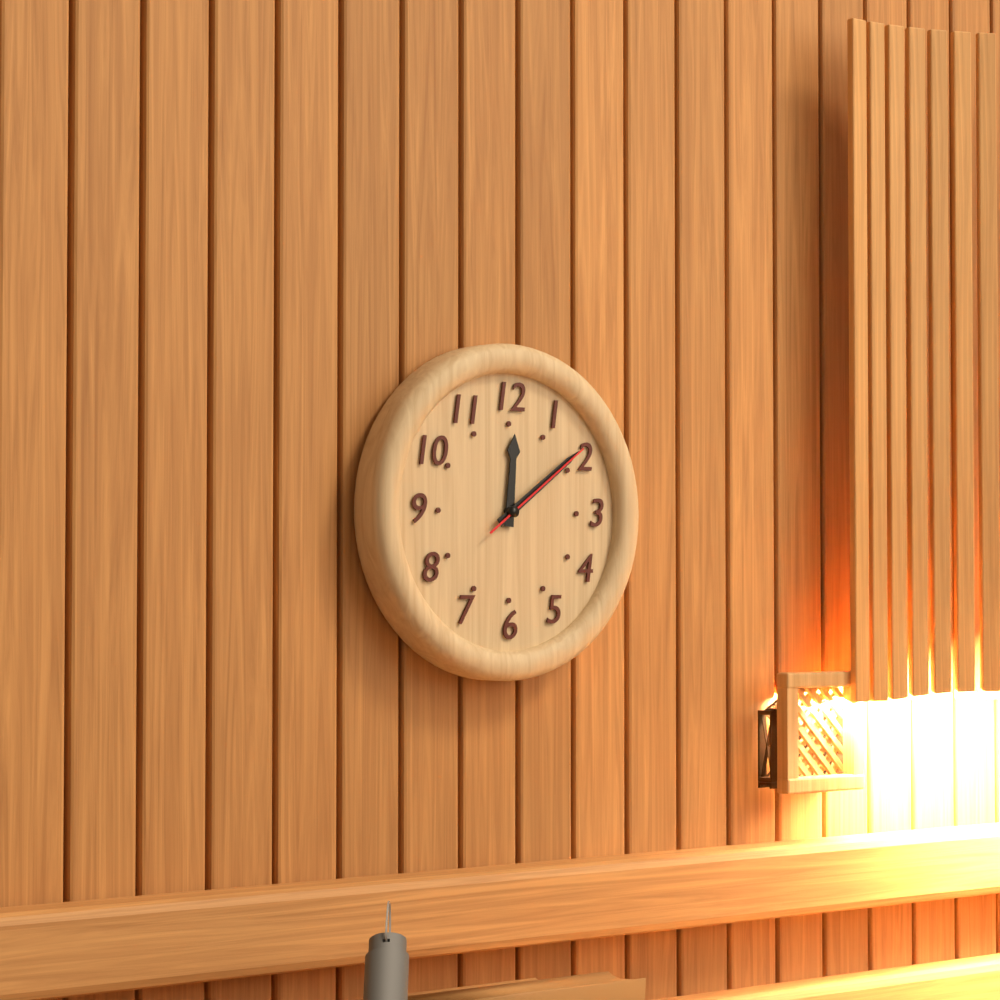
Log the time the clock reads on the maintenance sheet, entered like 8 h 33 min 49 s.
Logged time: 12 h 09 min 09 s
